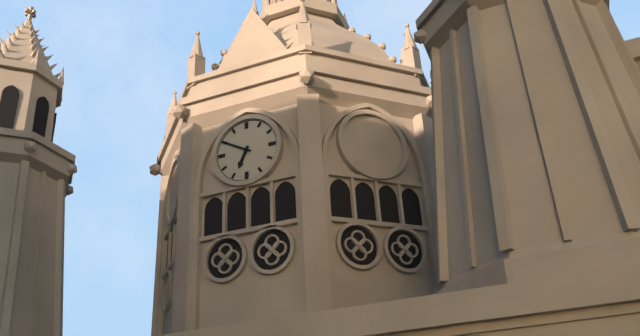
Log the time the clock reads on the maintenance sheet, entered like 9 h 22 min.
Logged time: 6 h 50 min
